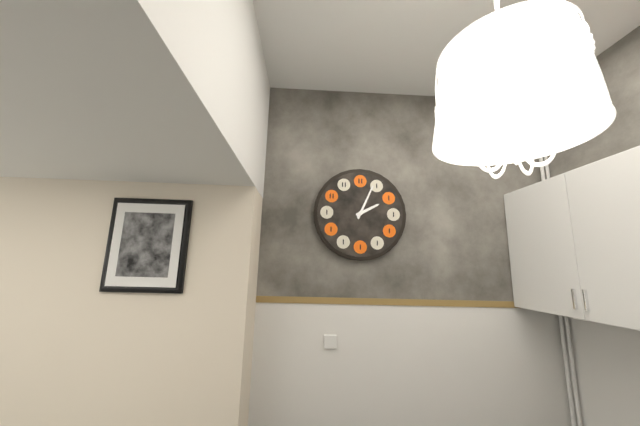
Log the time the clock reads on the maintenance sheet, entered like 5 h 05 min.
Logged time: 2 h 04 min
